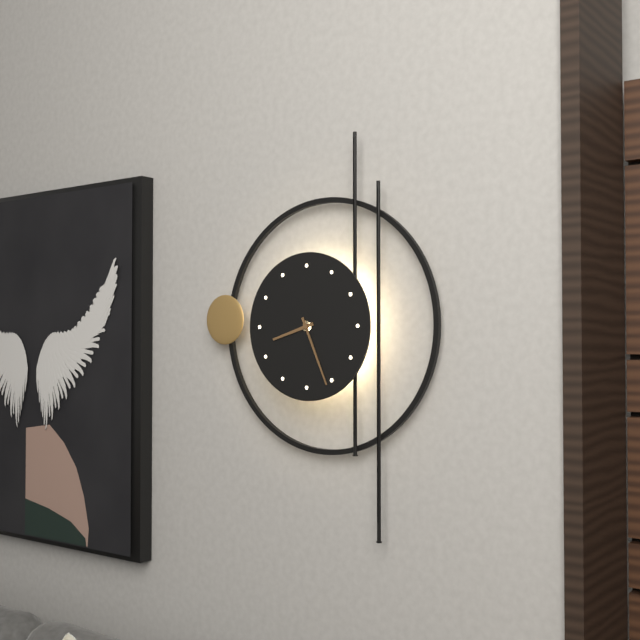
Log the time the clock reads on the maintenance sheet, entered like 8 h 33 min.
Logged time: 8 h 26 min
